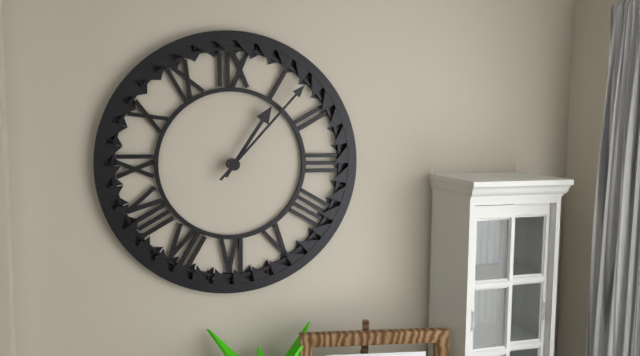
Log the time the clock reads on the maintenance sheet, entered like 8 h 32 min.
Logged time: 1 h 07 min
